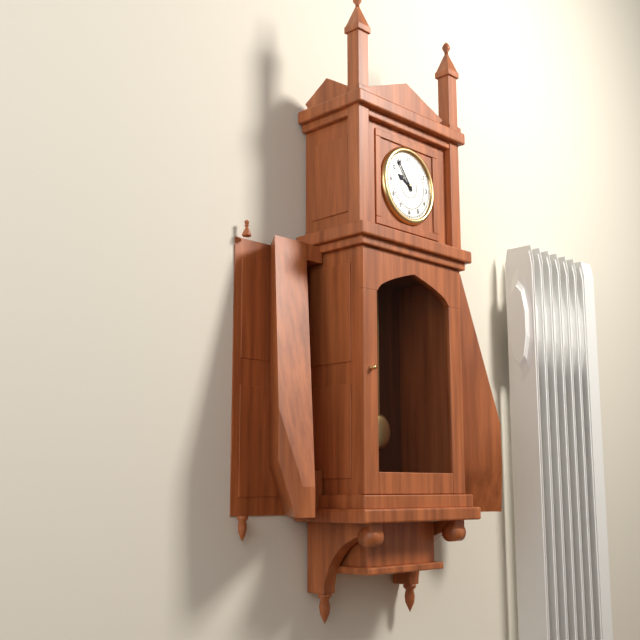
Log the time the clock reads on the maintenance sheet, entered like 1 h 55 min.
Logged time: 9 h 54 min
